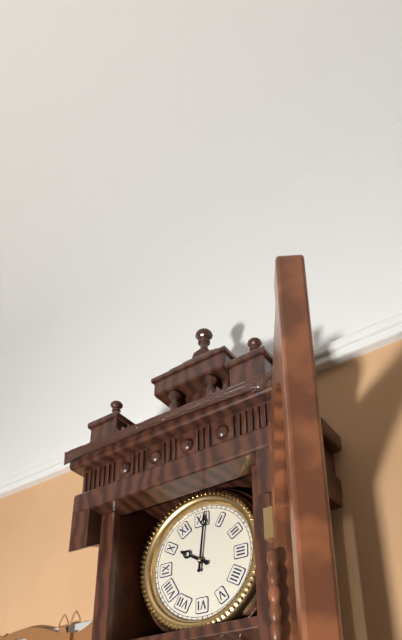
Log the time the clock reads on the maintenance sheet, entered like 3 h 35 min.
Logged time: 10 h 01 min
